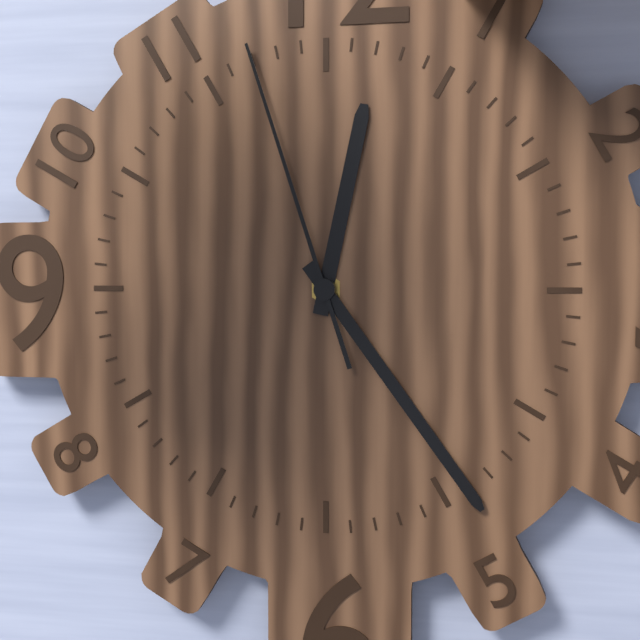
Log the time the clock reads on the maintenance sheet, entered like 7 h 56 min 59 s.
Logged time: 12 h 24 min 57 s
